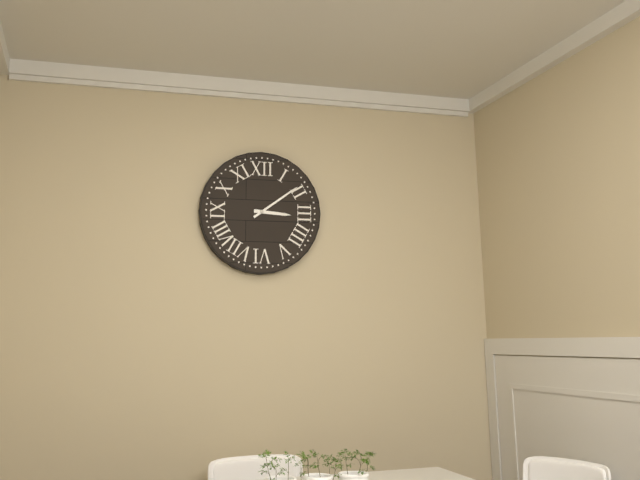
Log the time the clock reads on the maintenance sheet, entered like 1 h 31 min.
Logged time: 3 h 09 min
